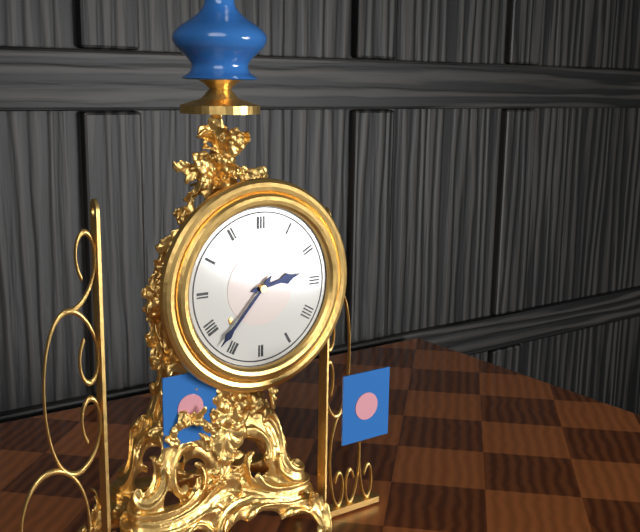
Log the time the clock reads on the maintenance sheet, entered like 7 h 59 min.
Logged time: 2 h 37 min
